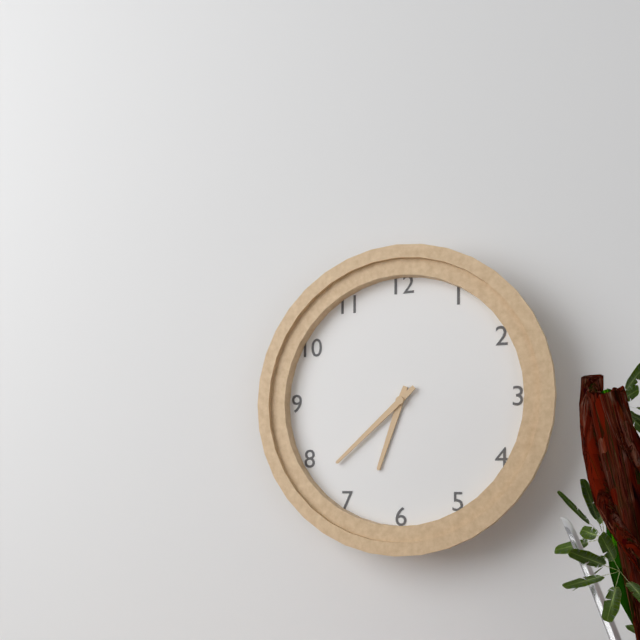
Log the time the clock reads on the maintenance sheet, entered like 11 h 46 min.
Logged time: 6 h 38 min
